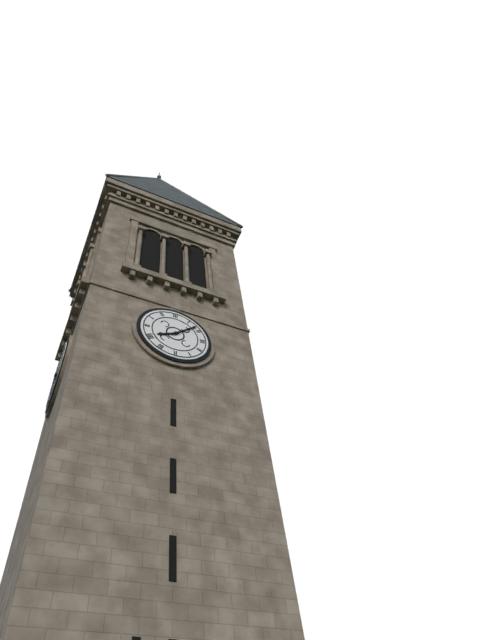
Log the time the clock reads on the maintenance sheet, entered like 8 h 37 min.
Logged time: 8 h 08 min
